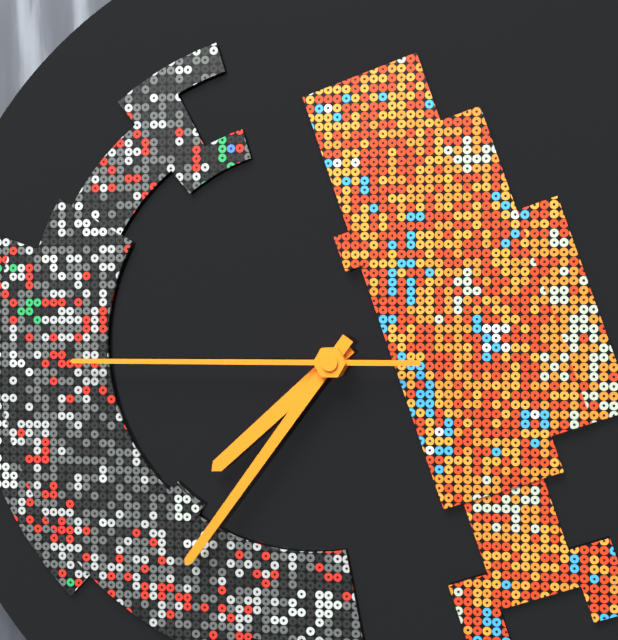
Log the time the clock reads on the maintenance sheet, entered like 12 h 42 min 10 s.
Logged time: 7 h 36 min 45 s
